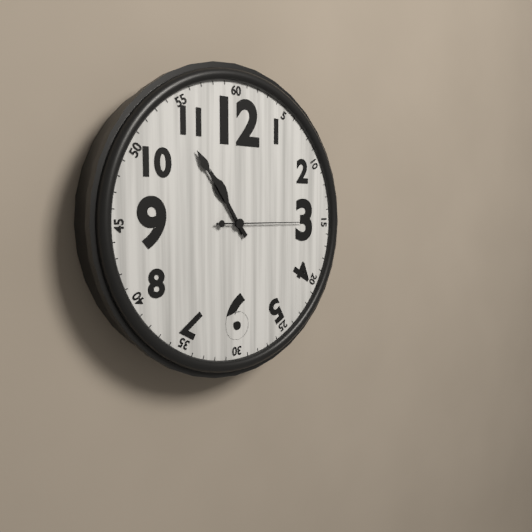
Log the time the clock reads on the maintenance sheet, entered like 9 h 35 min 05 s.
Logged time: 10 h 54 min 15 s
